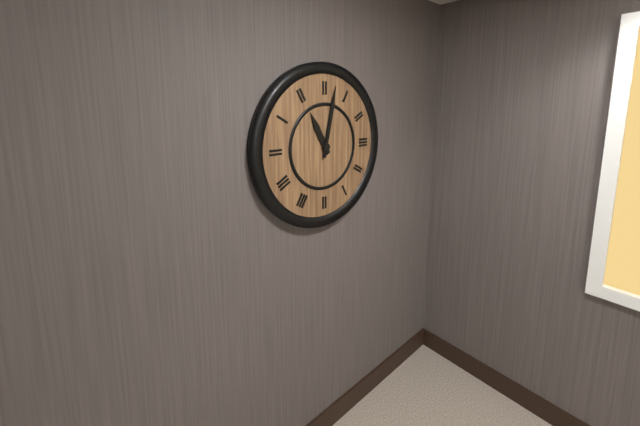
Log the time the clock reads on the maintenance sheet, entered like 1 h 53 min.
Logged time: 11 h 02 min
